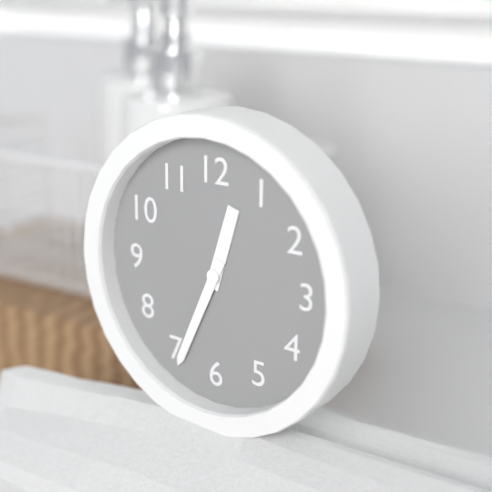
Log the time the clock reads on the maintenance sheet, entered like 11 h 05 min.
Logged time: 12 h 34 min
